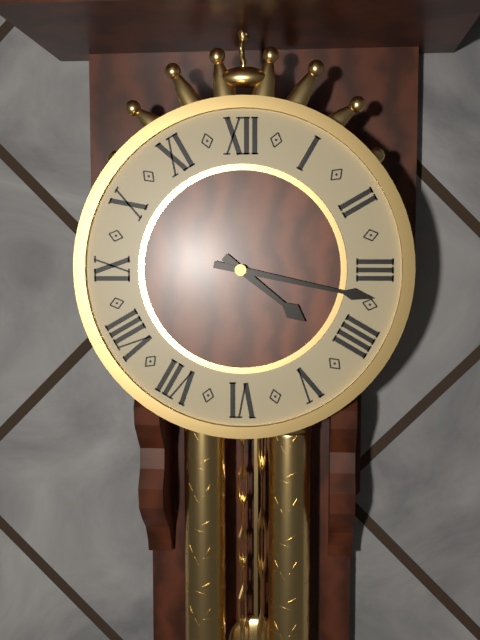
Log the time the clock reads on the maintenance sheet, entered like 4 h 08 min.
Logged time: 4 h 17 min
